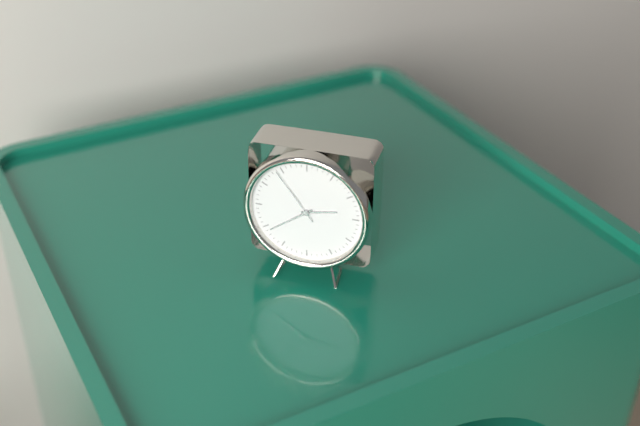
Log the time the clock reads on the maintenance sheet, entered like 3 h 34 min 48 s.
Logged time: 2 h 39 min 54 s
